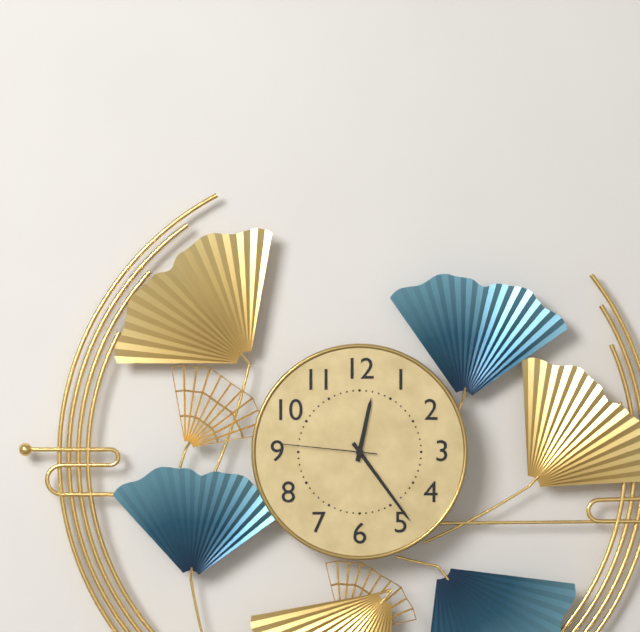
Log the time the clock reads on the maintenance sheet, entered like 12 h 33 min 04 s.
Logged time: 12 h 24 min 46 s
